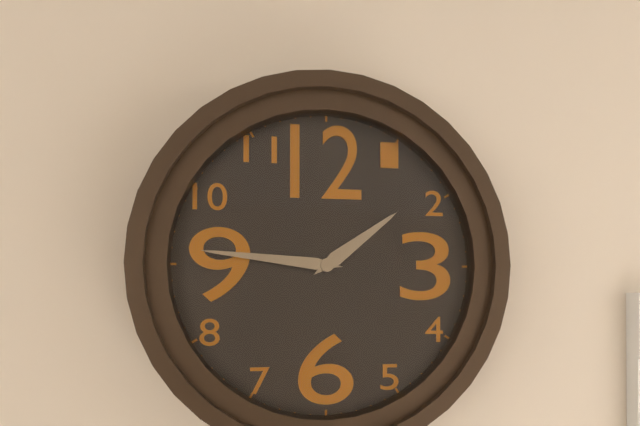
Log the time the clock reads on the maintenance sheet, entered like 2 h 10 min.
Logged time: 1 h 46 min
